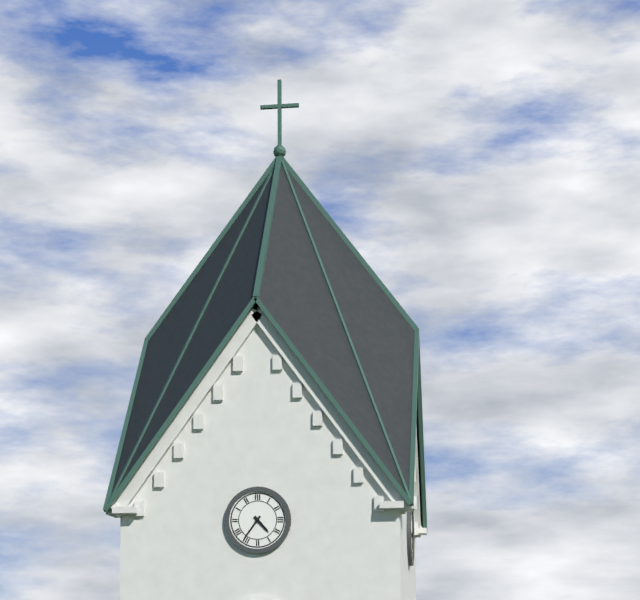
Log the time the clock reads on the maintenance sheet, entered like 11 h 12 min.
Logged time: 4 h 36 min
